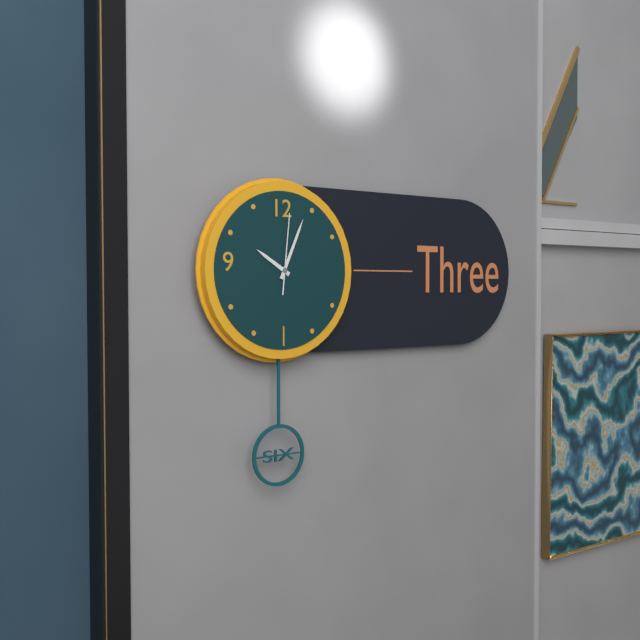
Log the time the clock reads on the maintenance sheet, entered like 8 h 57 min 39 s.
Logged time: 10 h 04 min 01 s
